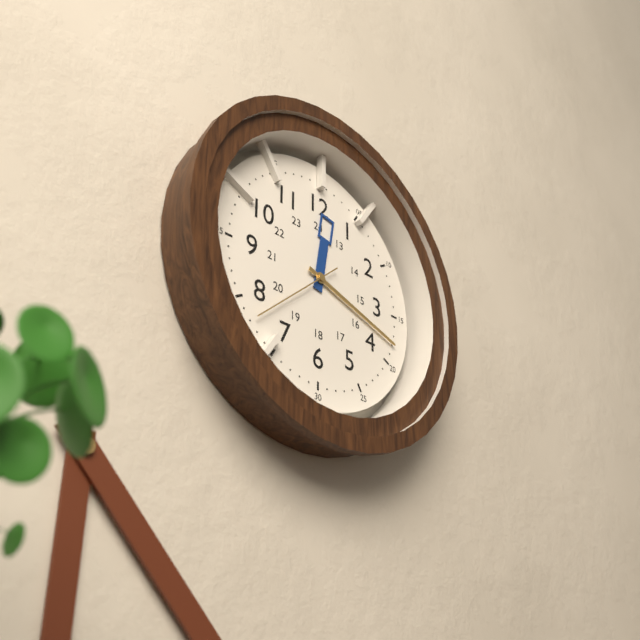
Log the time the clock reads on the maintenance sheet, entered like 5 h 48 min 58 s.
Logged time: 12 h 18 min 38 s
